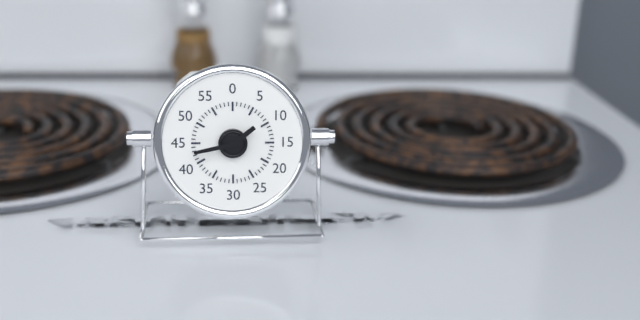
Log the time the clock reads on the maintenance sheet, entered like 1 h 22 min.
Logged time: 1 h 43 min
